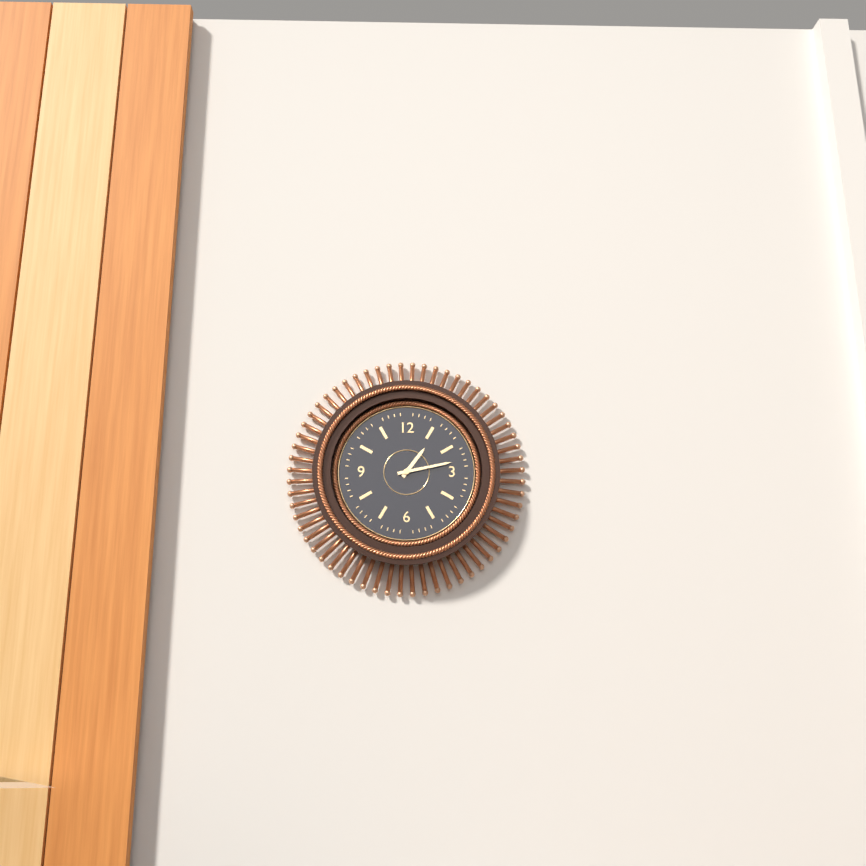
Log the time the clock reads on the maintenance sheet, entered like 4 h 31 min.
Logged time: 1 h 13 min
